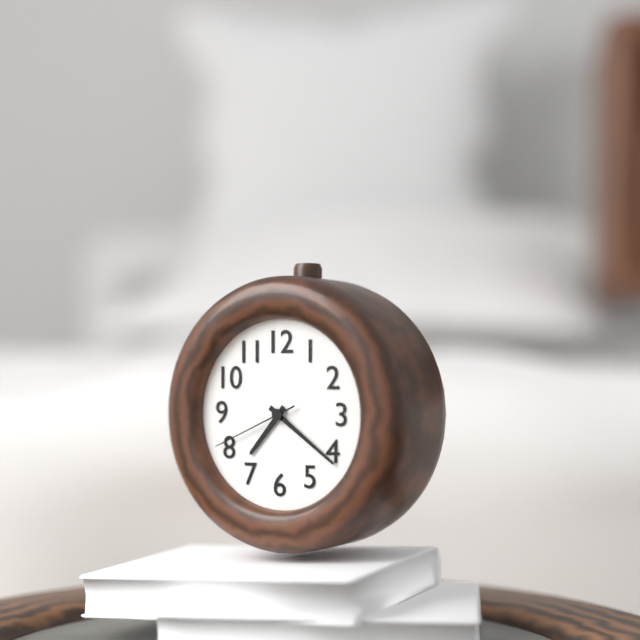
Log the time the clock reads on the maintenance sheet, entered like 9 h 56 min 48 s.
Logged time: 7 h 21 min 41 s
